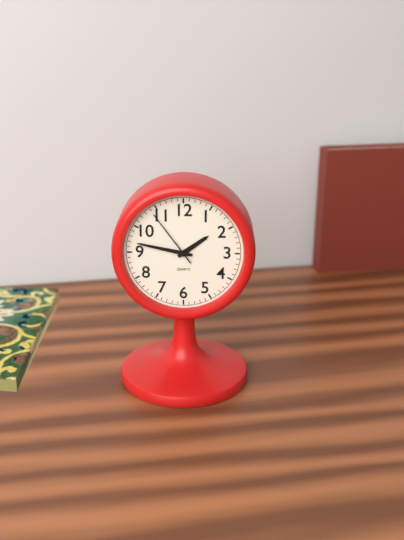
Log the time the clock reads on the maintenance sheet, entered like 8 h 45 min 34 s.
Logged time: 1 h 47 min 54 s
